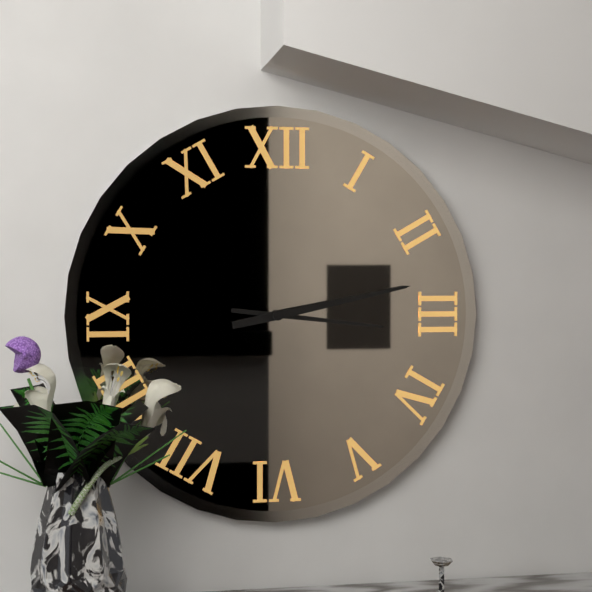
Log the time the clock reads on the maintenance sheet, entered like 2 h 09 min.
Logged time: 3 h 13 min
